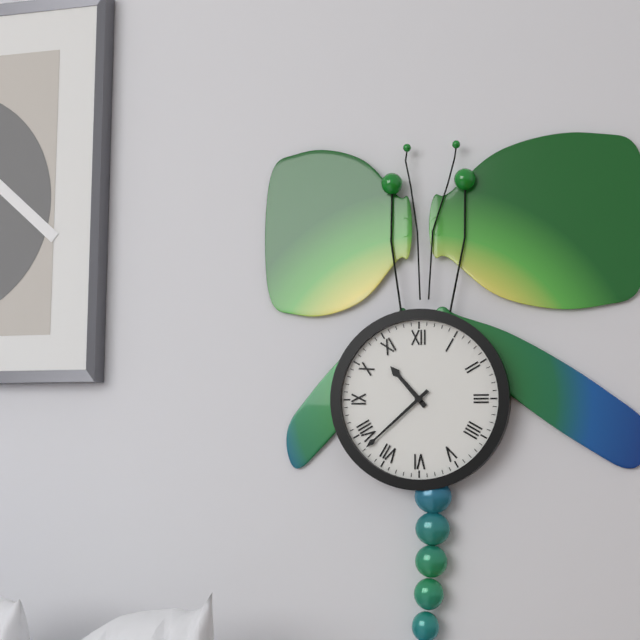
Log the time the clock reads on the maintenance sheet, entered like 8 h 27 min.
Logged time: 10 h 38 min
